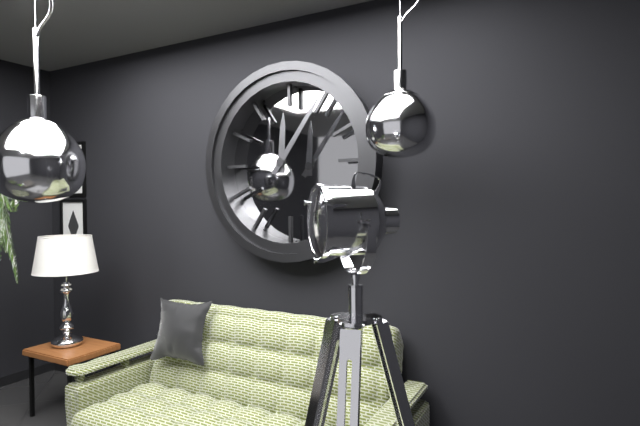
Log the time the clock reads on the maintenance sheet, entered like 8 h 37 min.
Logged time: 12 h 06 min
